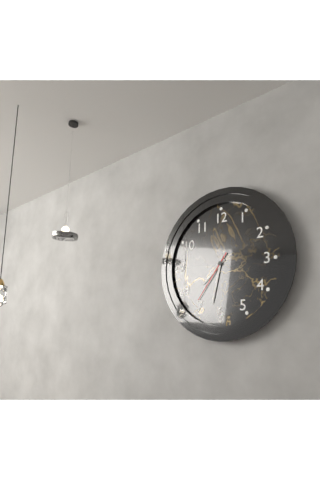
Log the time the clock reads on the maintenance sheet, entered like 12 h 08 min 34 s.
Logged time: 7 h 32 min 36 s
